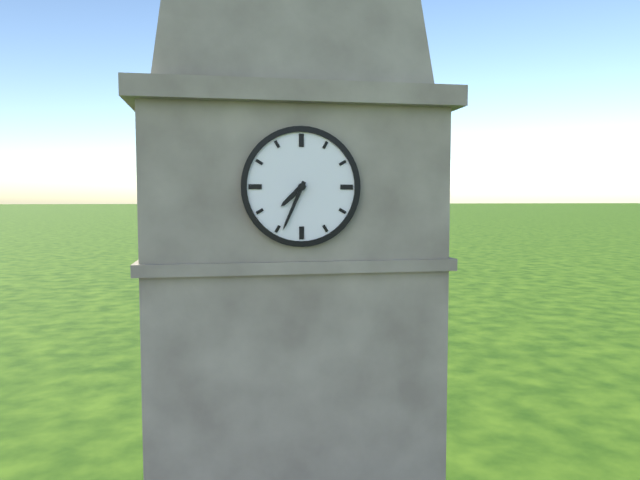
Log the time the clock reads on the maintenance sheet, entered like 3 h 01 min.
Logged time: 7 h 34 min
